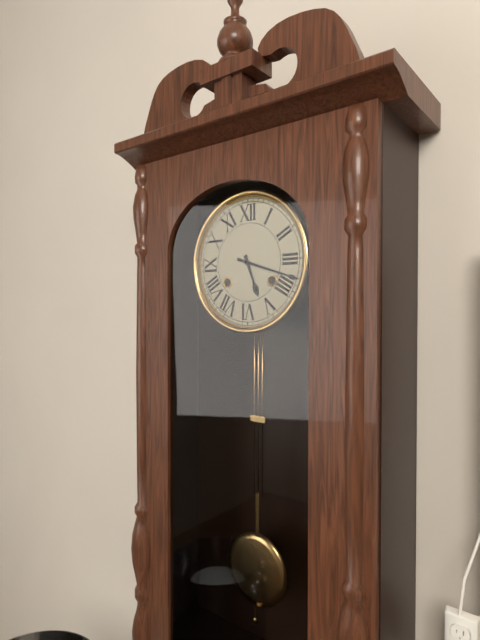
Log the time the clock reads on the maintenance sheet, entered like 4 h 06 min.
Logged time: 5 h 18 min
